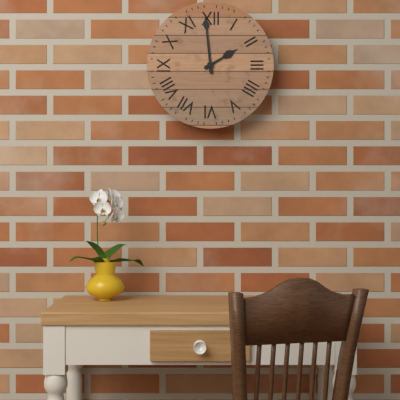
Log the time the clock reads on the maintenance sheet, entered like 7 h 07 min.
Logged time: 1 h 59 min
